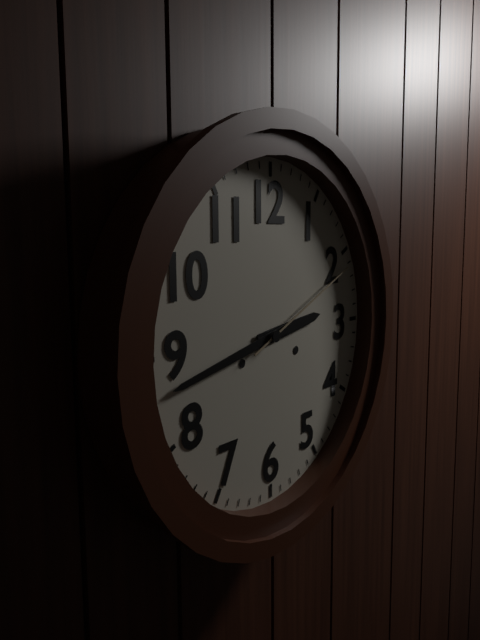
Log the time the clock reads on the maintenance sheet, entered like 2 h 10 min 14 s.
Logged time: 2 h 43 min 11 s
